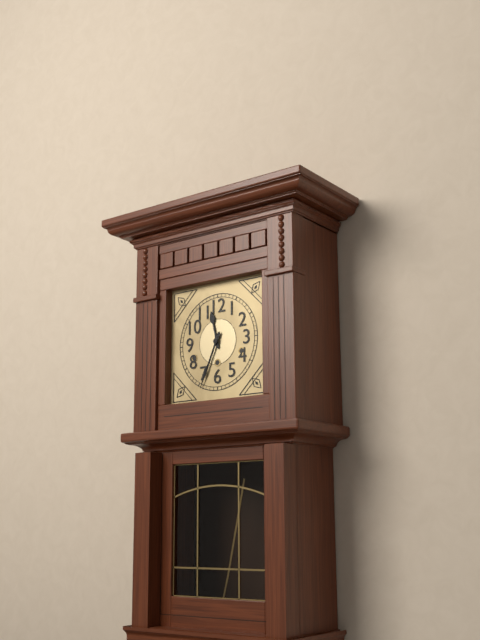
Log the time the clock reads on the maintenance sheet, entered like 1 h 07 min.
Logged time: 11 h 34 min
